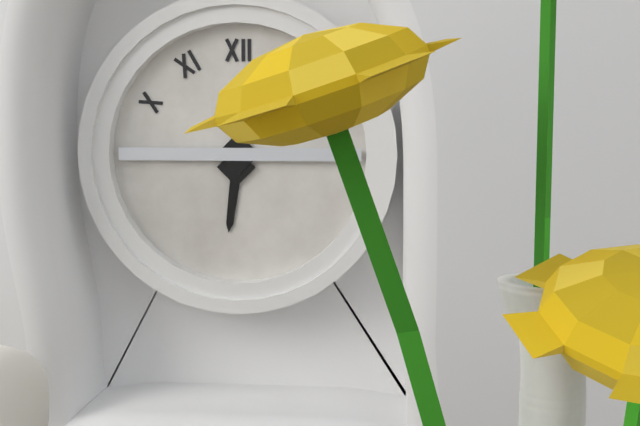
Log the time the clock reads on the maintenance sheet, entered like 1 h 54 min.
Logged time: 6 h 15 min
